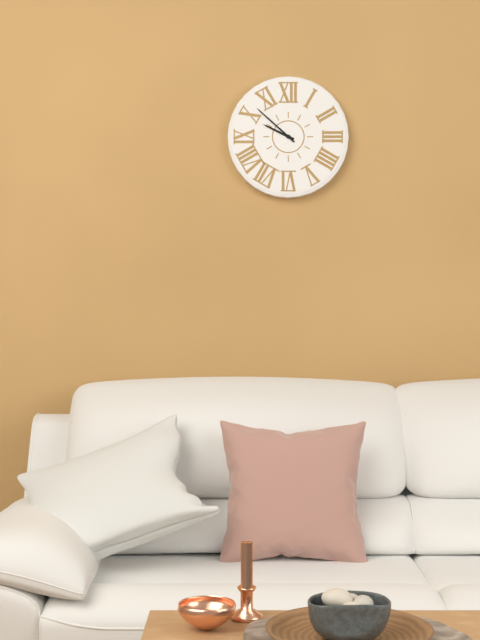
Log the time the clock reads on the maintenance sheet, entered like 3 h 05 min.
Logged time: 9 h 52 min
